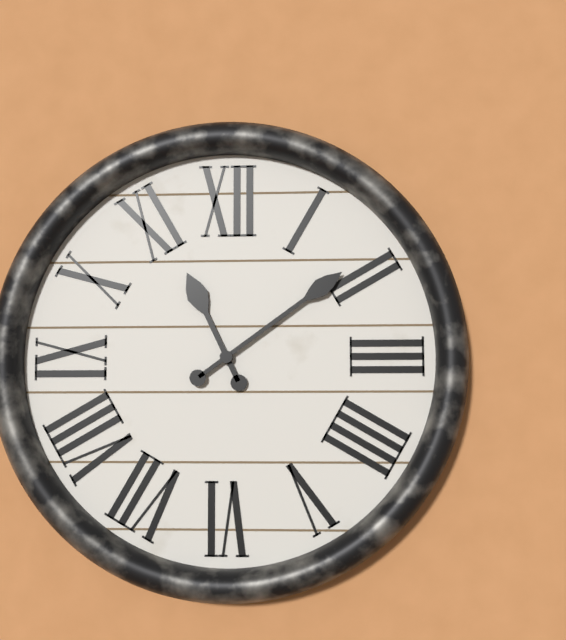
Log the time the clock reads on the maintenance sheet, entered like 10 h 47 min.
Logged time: 11 h 09 min
